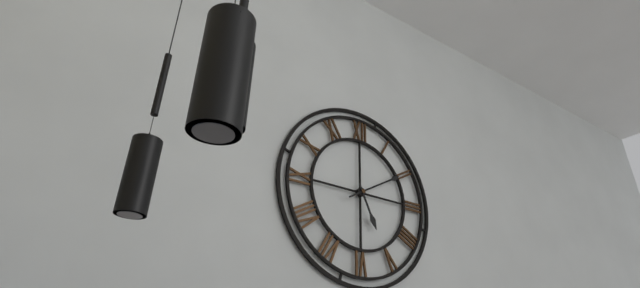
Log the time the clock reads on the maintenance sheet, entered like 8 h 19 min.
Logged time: 5 h 10 min
